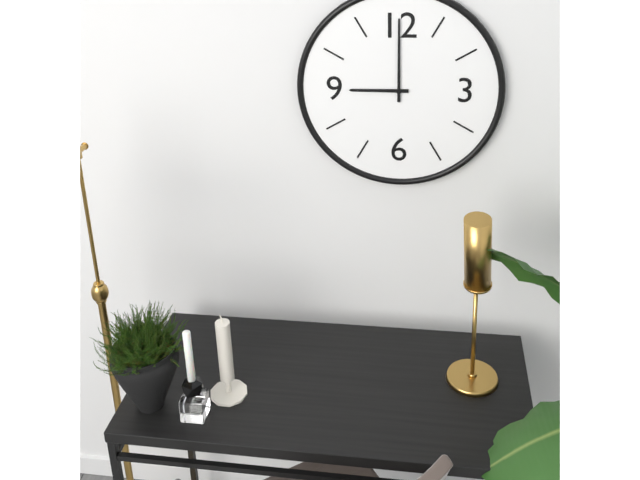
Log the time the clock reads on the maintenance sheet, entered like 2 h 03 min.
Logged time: 9 h 00 min
